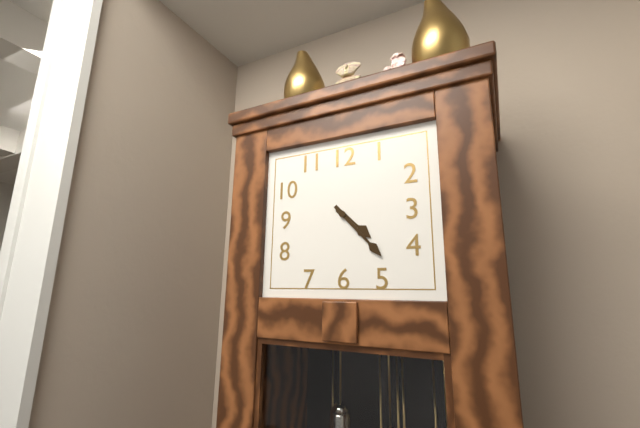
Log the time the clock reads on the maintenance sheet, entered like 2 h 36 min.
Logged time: 4 h 23 min
